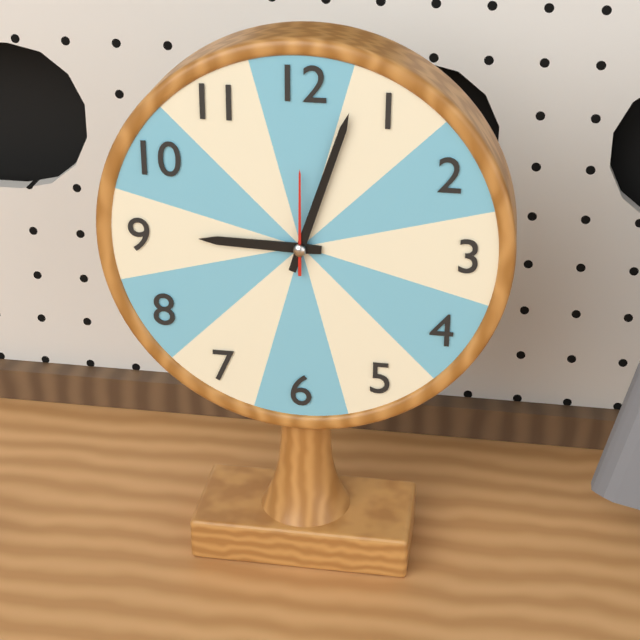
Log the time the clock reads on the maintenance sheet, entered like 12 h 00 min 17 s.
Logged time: 9 h 03 min 00 s
